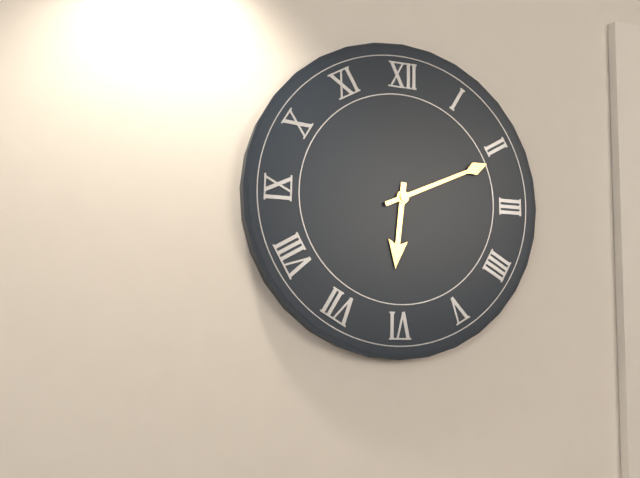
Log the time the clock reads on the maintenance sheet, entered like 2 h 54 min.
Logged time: 6 h 11 min
